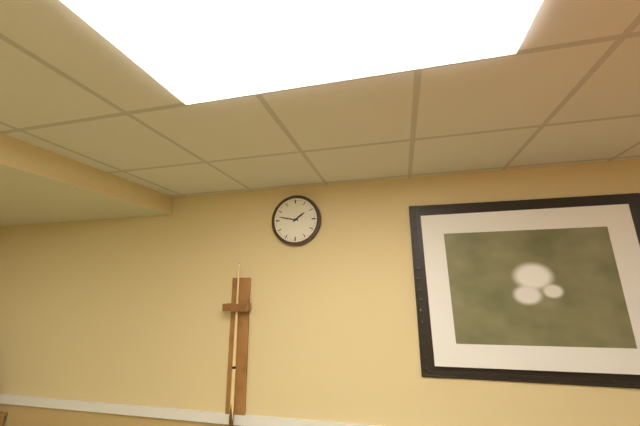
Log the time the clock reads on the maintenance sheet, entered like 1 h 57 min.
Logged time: 1 h 47 min
